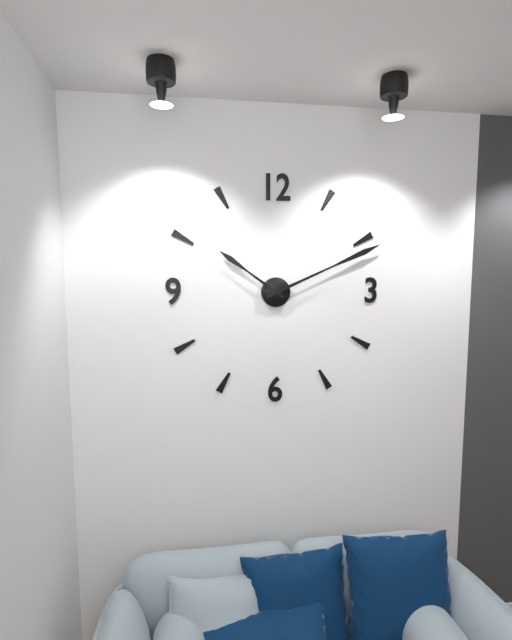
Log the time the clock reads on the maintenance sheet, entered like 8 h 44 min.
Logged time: 10 h 11 min
